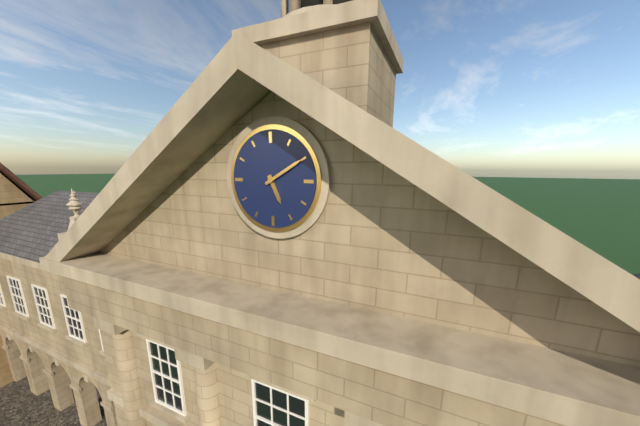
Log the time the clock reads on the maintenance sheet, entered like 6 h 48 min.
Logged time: 5 h 10 min
